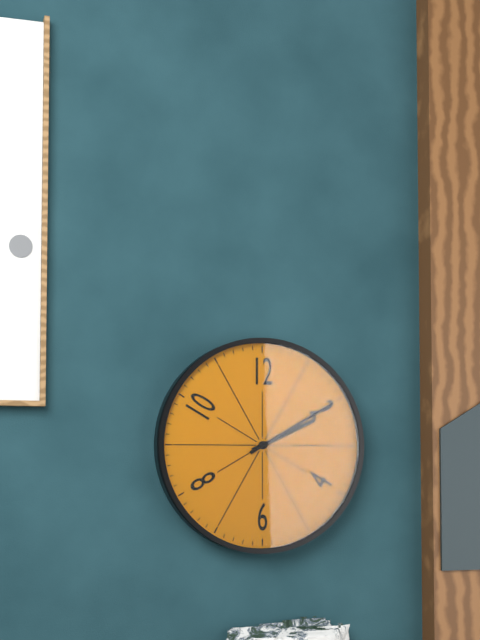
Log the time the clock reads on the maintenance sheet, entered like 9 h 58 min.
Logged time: 2 h 10 min
